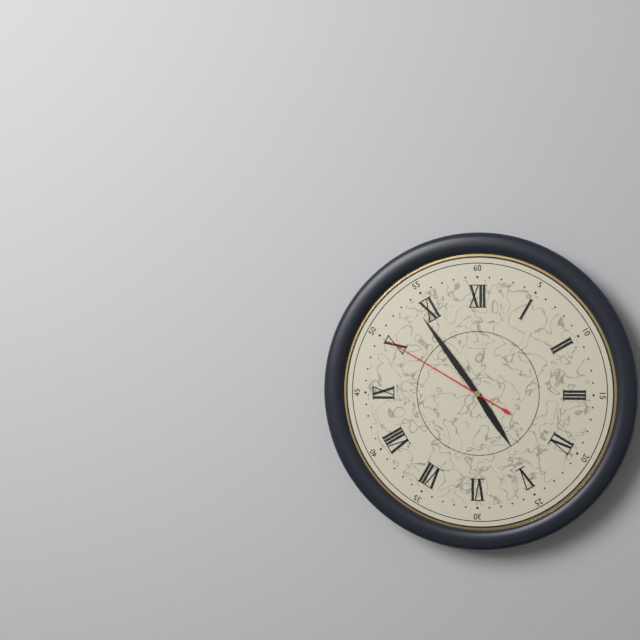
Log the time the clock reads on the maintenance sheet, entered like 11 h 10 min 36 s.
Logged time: 4 h 54 min 50 s
